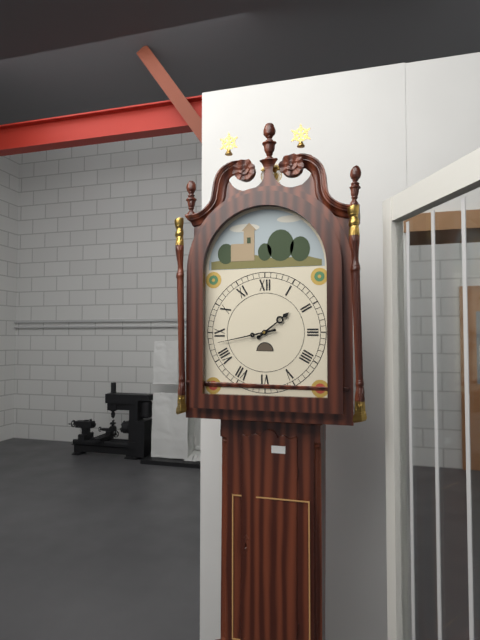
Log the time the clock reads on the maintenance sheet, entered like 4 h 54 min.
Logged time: 1 h 43 min
